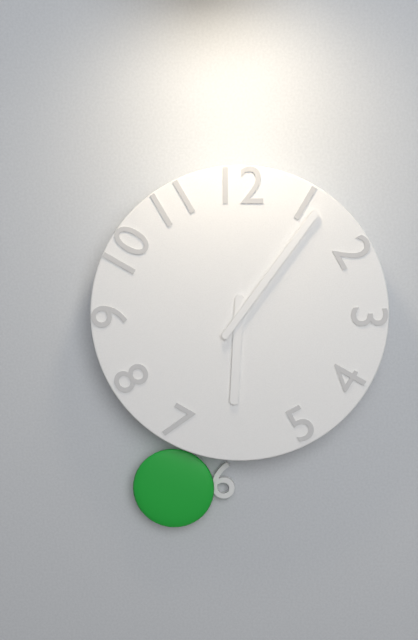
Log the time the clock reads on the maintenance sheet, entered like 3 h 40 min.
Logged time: 6 h 06 min
